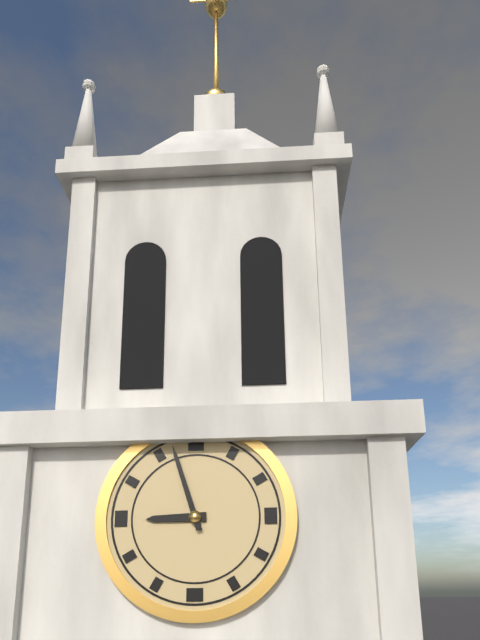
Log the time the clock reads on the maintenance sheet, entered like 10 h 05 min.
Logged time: 8 h 57 min
